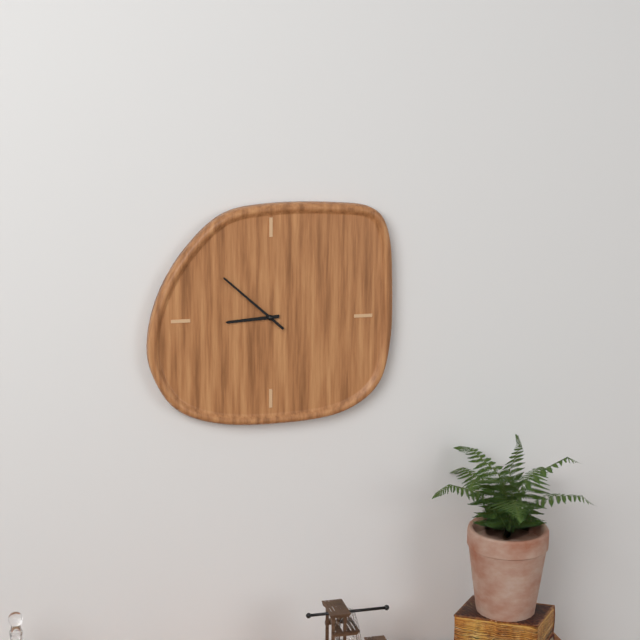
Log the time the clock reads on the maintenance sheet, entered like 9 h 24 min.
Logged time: 8 h 52 min
